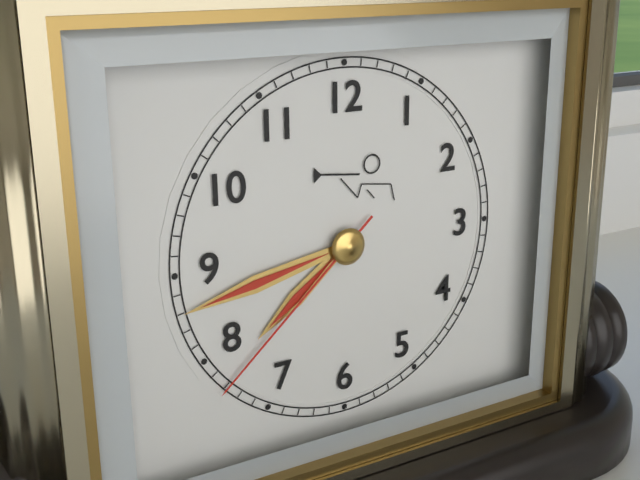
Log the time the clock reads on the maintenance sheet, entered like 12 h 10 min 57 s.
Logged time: 7 h 43 min 38 s
